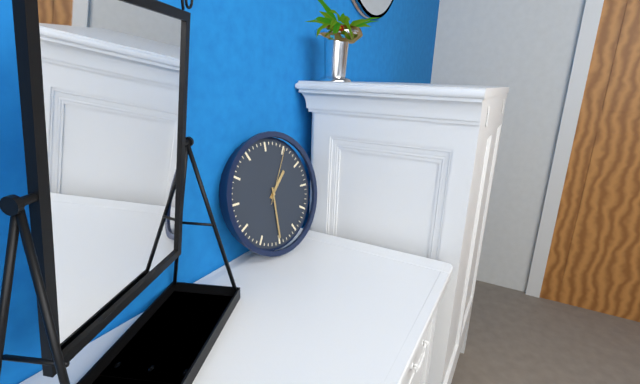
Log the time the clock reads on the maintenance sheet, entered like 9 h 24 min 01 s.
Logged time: 1 h 30 min 05 s
